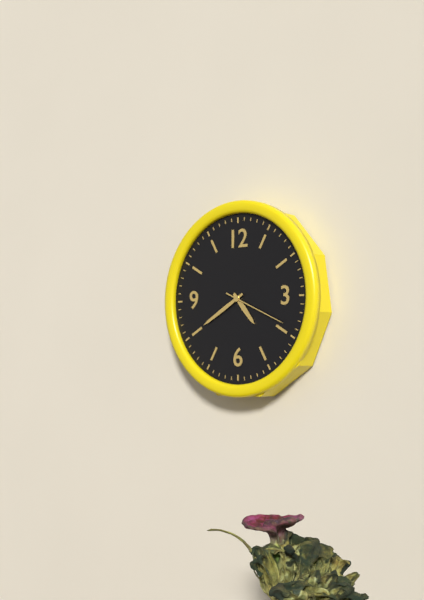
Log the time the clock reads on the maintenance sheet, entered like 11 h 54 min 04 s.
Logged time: 4 h 40 min 19 s
